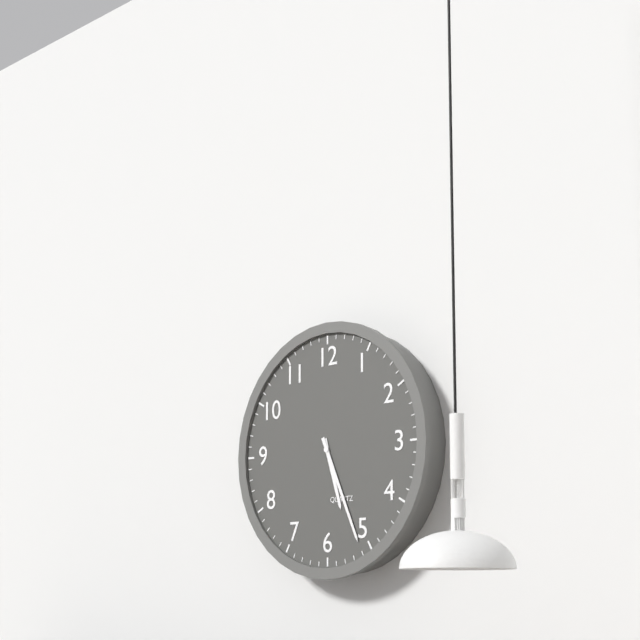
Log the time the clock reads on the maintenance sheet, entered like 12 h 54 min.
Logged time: 5 h 26 min
